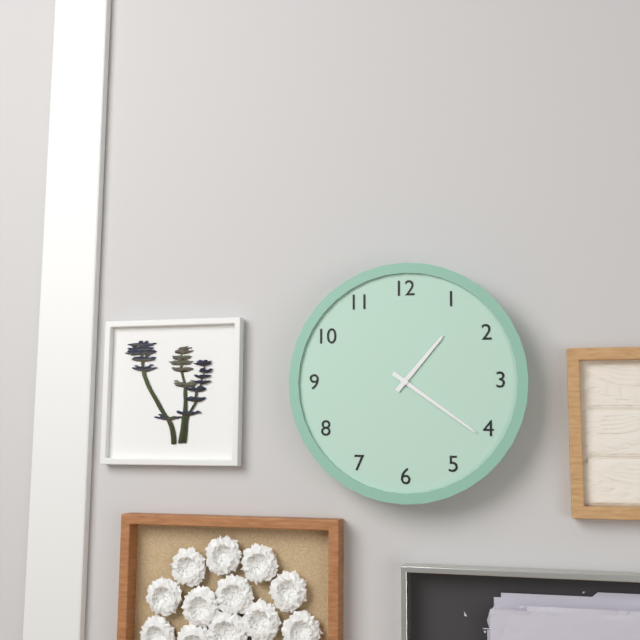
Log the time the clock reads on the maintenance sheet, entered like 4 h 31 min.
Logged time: 1 h 21 min
